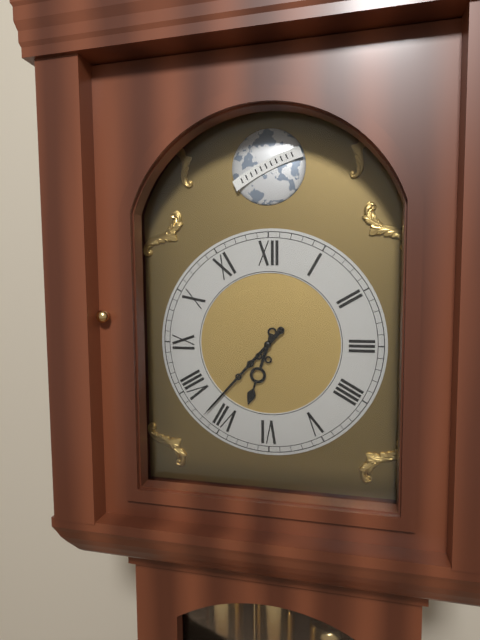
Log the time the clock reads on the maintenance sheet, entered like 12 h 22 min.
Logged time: 6 h 37 min
